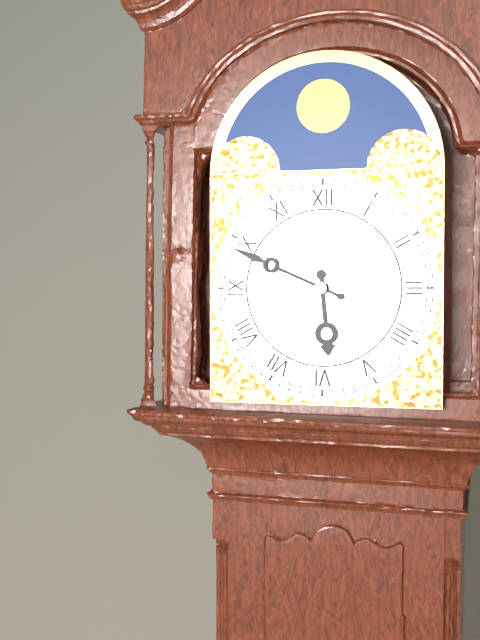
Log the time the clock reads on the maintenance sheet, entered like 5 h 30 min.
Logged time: 5 h 49 min
